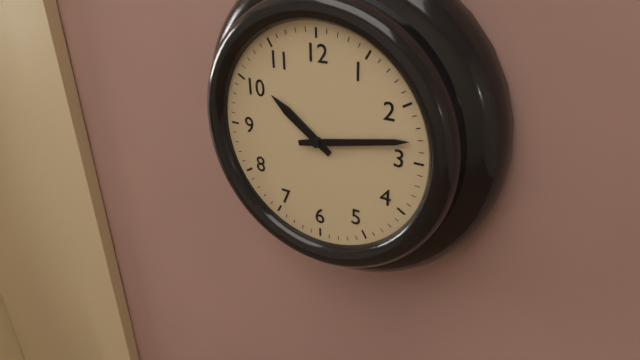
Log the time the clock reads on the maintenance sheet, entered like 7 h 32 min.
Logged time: 10 h 13 min
